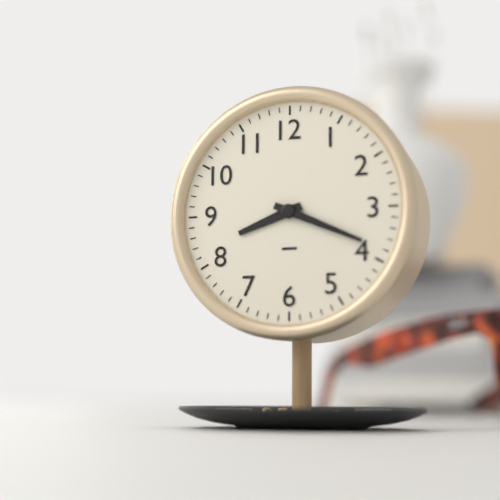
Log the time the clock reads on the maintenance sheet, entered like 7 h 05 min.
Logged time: 8 h 19 min
